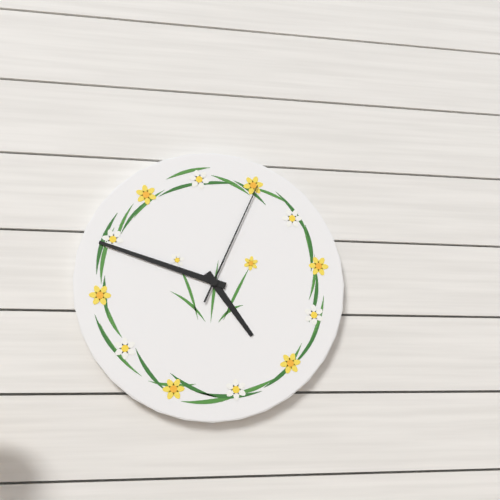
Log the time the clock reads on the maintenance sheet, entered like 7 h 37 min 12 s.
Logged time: 4 h 48 min 04 s
